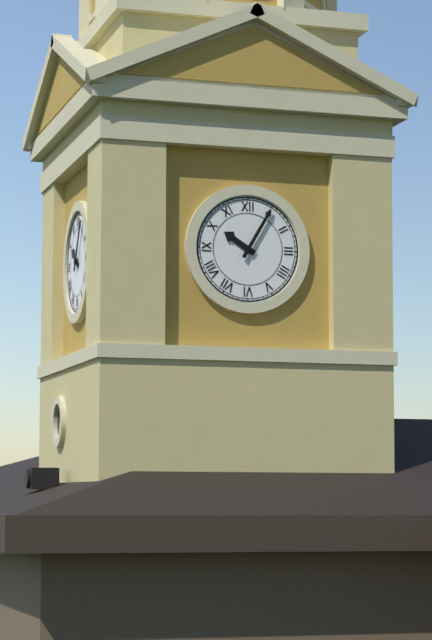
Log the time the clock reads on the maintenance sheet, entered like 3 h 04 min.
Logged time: 10 h 05 min
